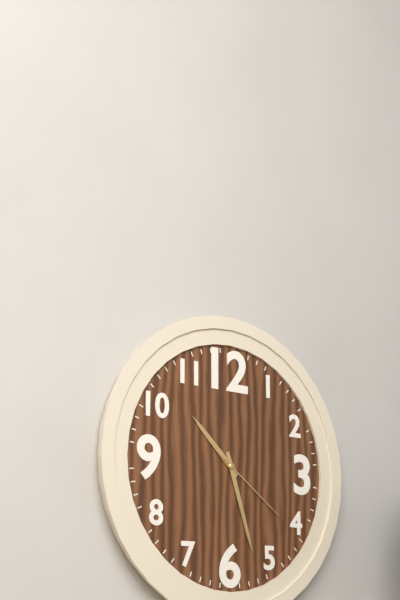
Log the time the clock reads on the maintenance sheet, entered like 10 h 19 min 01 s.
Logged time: 10 h 27 min 21 s
